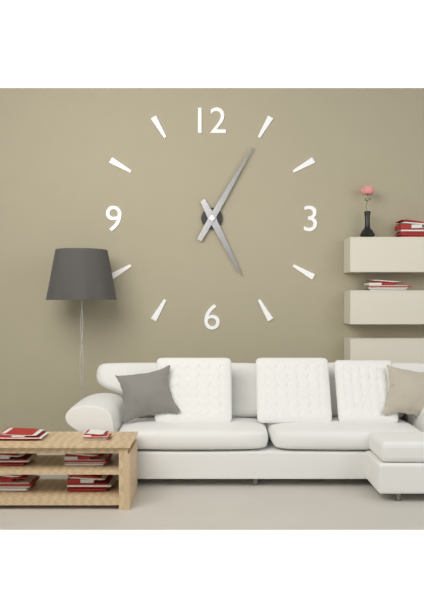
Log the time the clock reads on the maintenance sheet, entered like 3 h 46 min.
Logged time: 5 h 05 min
